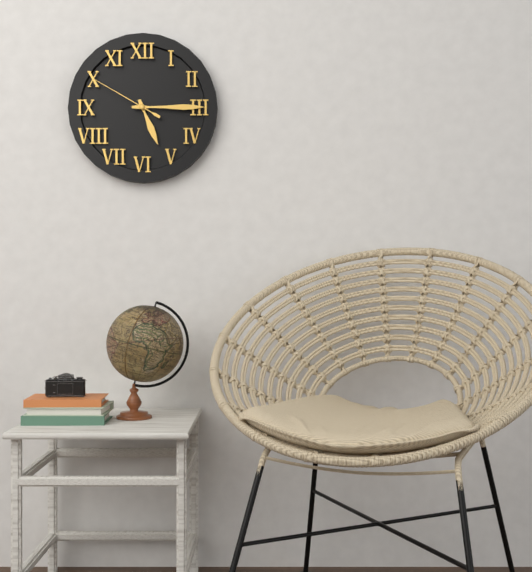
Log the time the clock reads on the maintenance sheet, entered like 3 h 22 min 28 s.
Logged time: 5 h 15 min 50 s
